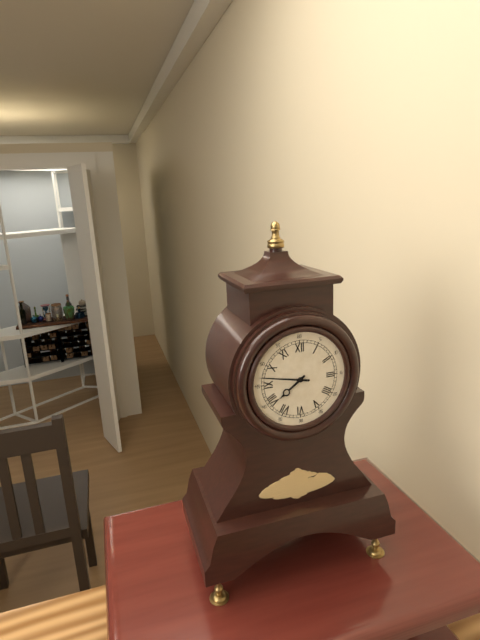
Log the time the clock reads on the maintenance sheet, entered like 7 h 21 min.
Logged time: 7 h 47 min
